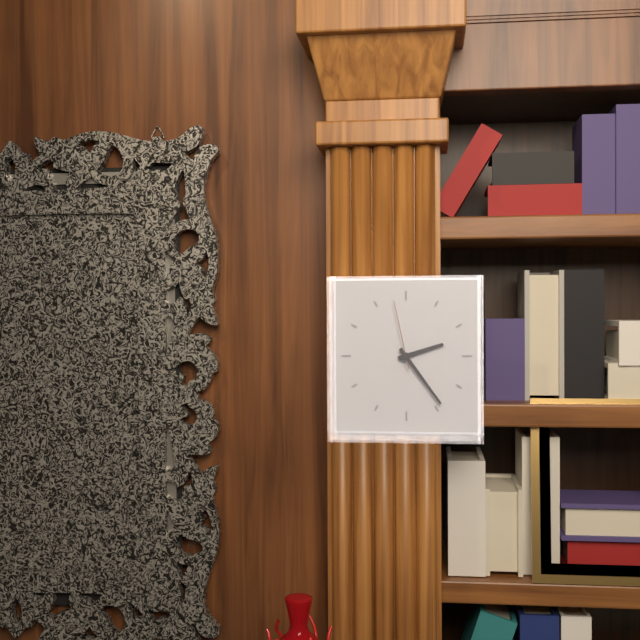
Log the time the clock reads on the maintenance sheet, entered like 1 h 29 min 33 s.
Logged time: 2 h 24 min 58 s
